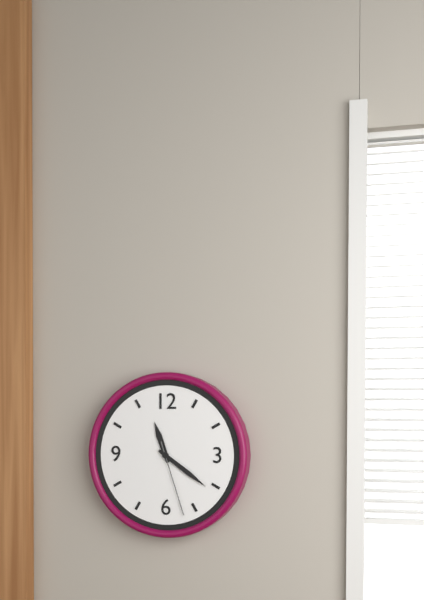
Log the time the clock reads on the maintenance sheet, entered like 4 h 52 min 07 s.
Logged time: 11 h 21 min 27 s
